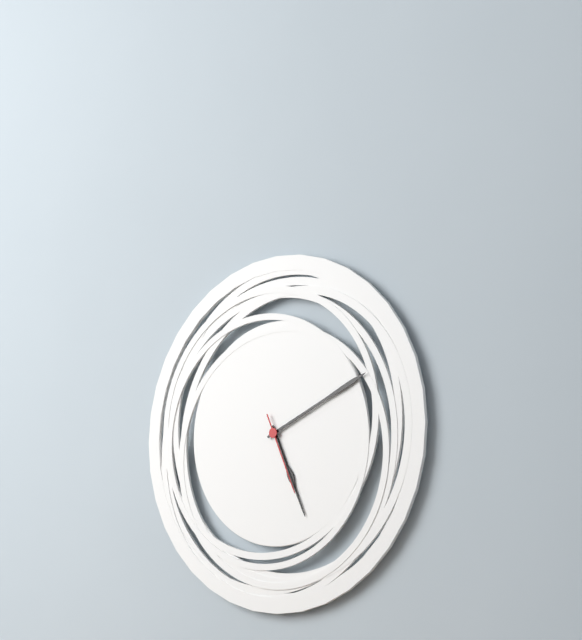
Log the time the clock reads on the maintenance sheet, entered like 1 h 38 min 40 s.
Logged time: 5 h 11 min 26 s
